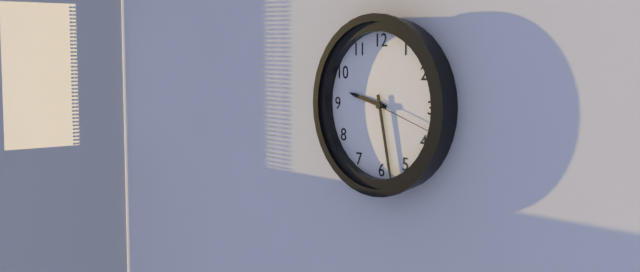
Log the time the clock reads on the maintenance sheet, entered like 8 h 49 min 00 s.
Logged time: 9 h 28 min 18 s
